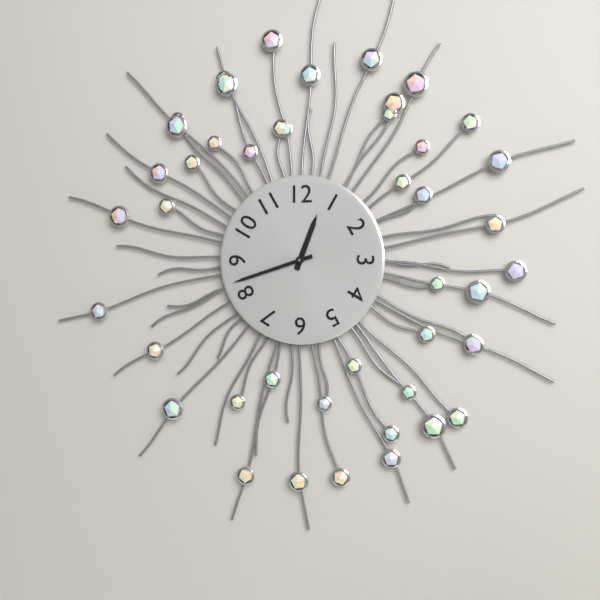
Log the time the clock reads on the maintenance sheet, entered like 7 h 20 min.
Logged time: 12 h 42 min
